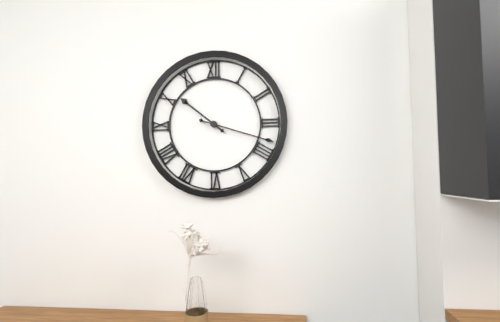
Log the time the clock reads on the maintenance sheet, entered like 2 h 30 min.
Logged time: 10 h 18 min
